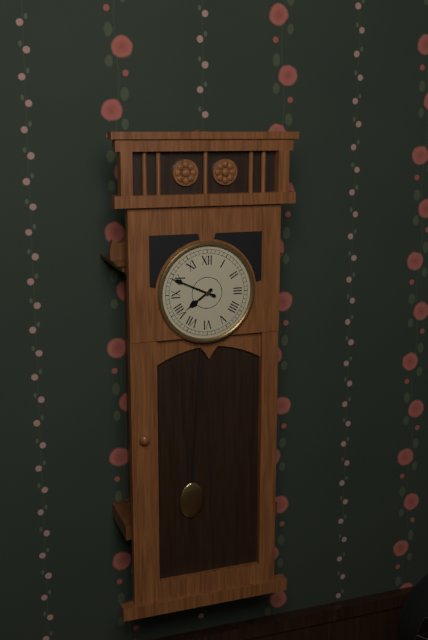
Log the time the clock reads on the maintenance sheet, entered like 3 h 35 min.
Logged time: 7 h 49 min
